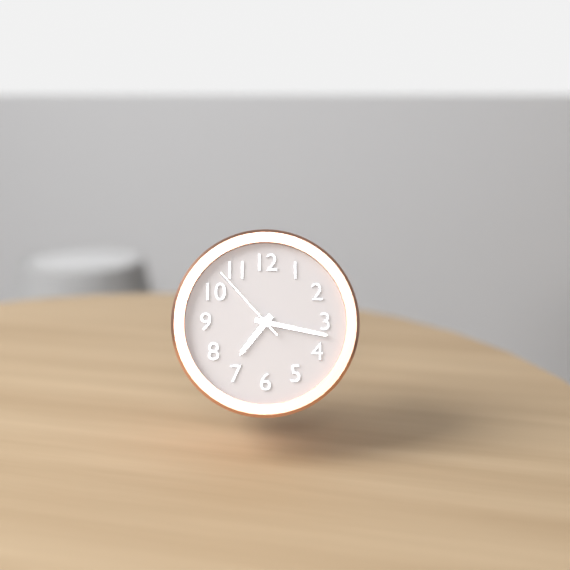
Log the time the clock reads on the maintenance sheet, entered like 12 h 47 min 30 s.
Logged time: 7 h 17 min 53 s
